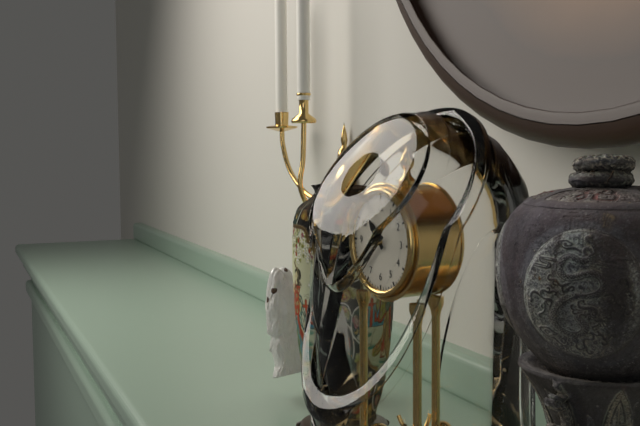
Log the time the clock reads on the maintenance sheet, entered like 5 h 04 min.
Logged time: 10 h 38 min
